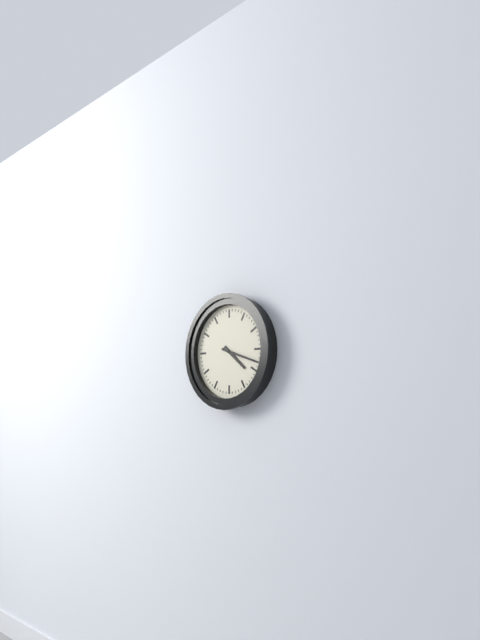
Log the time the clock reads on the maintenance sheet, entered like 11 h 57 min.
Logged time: 4 h 18 min
